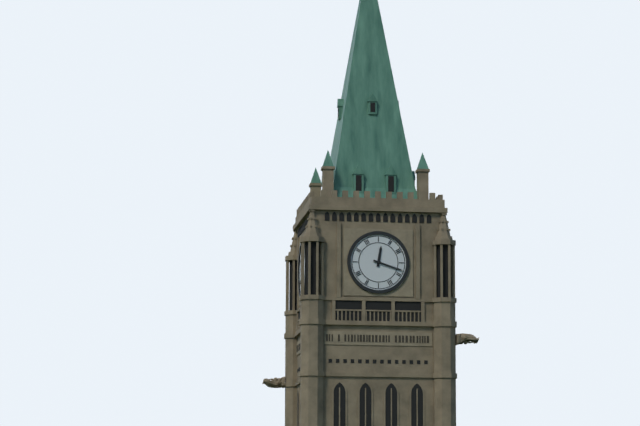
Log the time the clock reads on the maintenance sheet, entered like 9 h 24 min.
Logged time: 12 h 18 min
